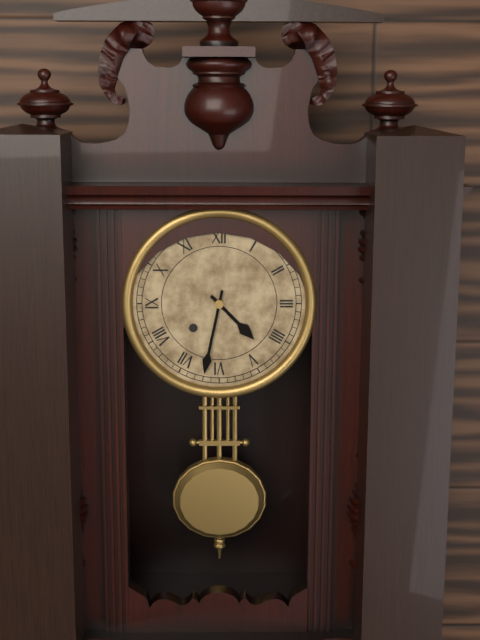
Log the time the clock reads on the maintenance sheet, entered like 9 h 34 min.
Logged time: 4 h 32 min
